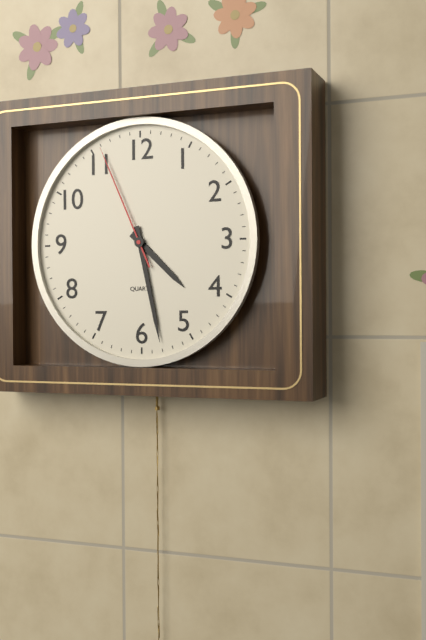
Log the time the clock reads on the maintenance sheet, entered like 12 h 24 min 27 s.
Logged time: 4 h 28 min 56 s
